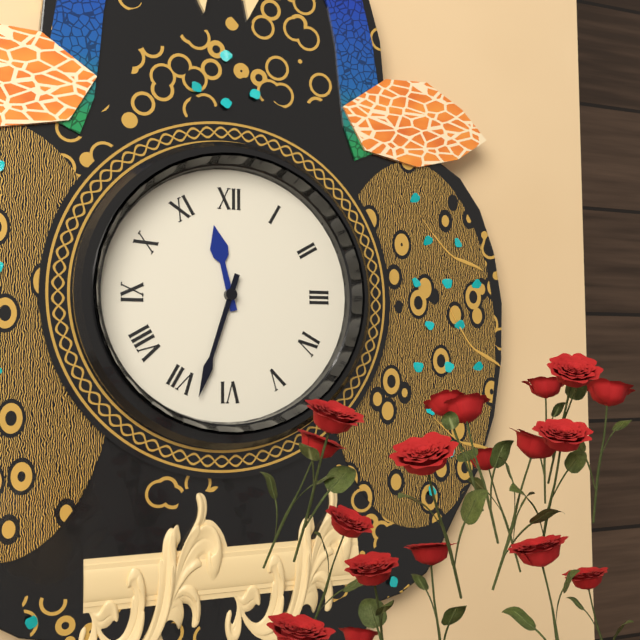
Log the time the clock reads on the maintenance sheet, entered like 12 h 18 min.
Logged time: 11 h 33 min
